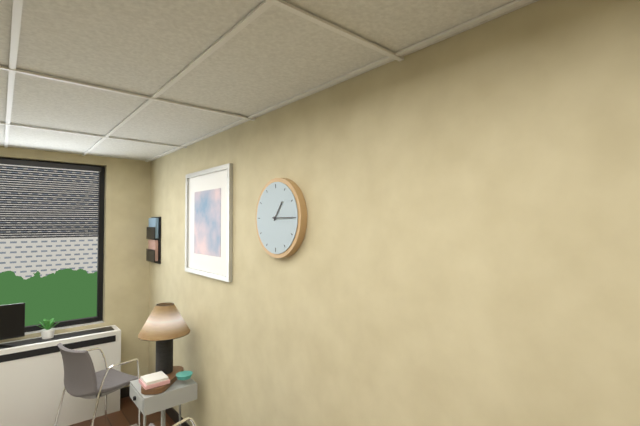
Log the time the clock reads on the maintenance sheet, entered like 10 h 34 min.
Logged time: 1 h 15 min
